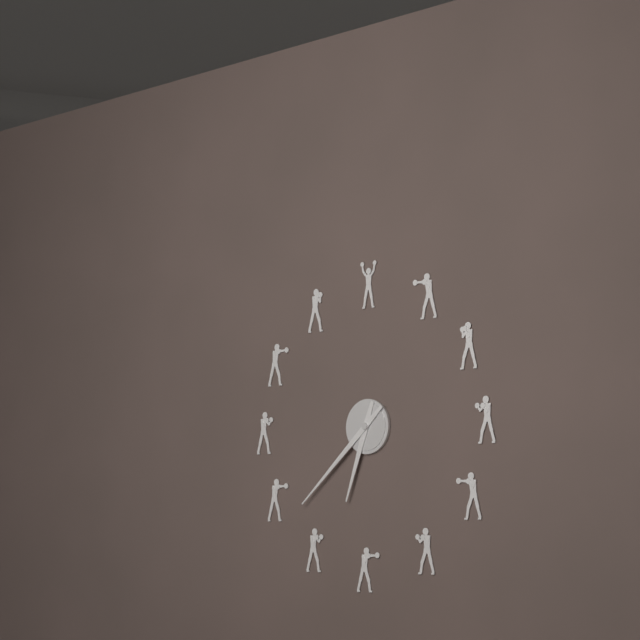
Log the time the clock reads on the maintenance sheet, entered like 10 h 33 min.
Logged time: 6 h 38 min
